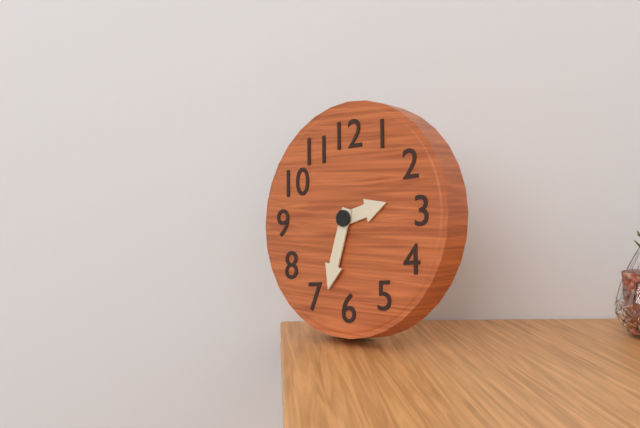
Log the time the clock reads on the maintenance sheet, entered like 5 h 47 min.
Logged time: 2 h 33 min
